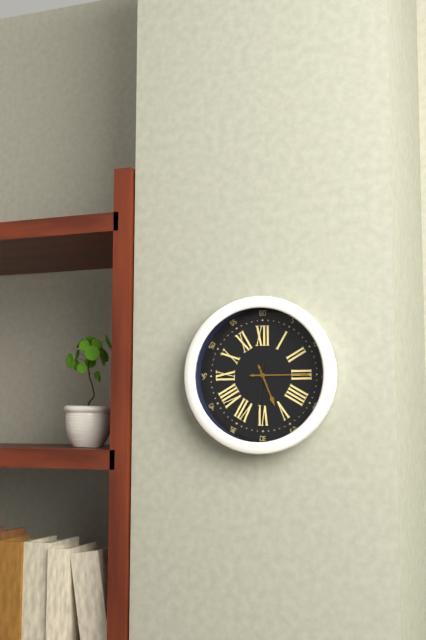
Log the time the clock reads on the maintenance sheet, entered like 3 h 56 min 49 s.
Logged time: 5 h 15 min 31 s
